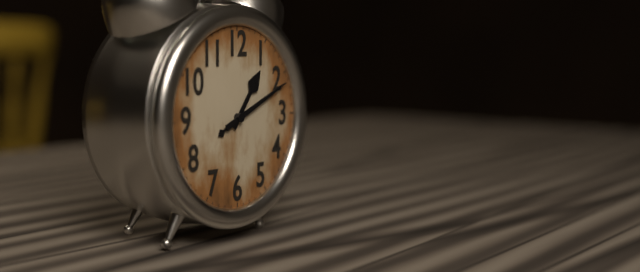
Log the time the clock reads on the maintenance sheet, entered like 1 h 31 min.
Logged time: 1 h 11 min
